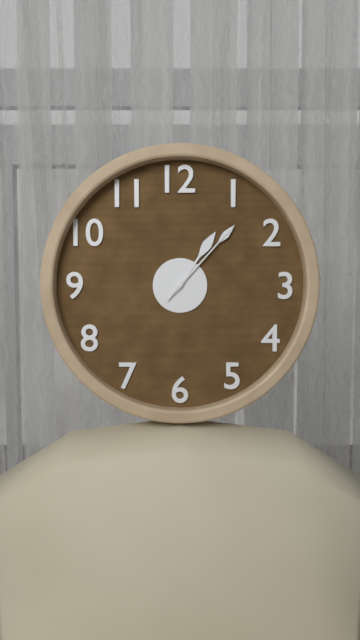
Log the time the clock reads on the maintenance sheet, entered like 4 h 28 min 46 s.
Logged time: 1 h 07 min 07 s
